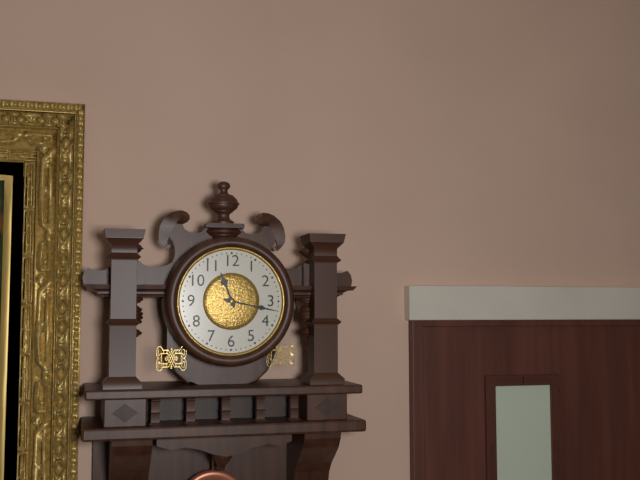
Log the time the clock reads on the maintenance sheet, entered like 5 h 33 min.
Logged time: 11 h 17 min
